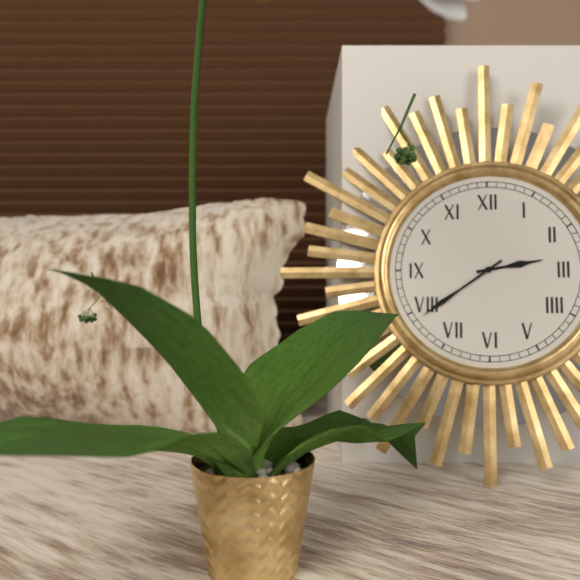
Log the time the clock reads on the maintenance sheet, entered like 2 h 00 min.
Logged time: 2 h 39 min
